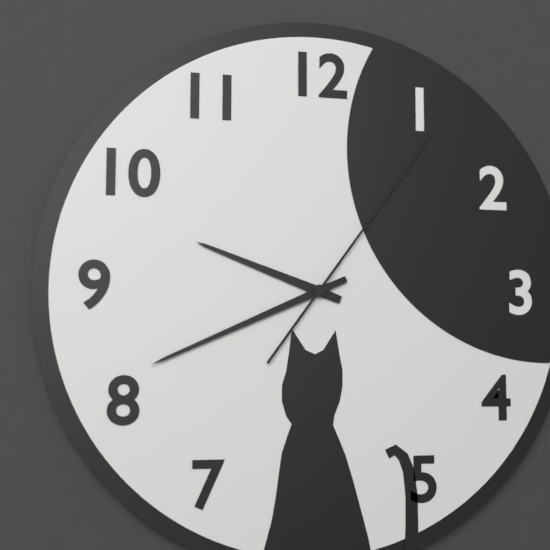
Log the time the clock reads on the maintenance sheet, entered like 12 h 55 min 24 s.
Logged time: 9 h 41 min 06 s
